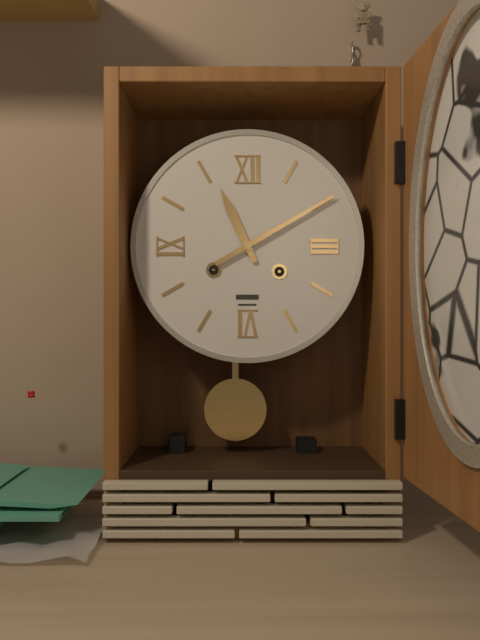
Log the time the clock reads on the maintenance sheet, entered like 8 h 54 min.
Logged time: 11 h 10 min
